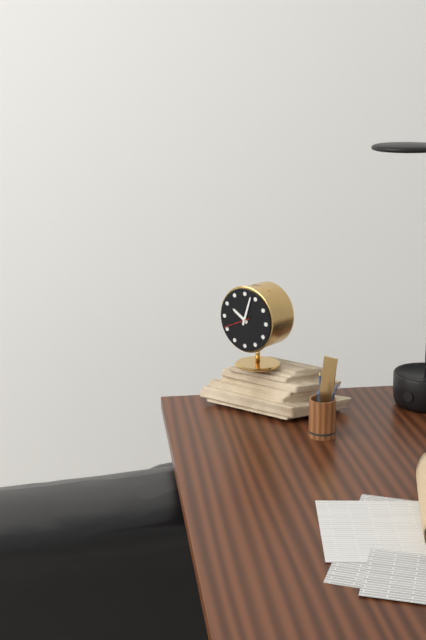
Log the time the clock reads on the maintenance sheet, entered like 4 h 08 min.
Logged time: 10 h 03 min
